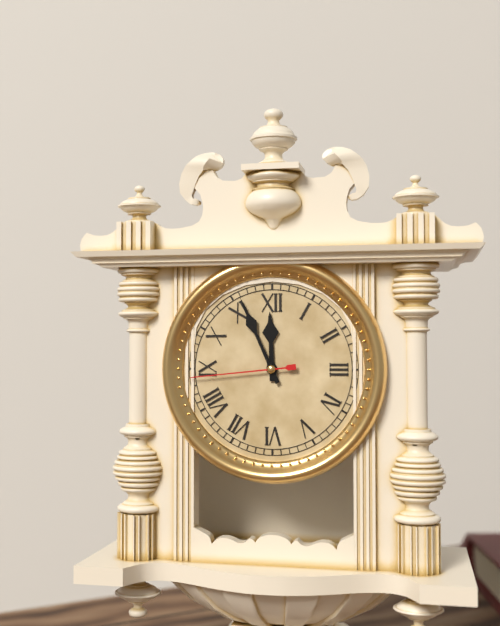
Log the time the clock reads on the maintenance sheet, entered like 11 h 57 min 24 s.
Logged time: 11 h 56 min 44 s
